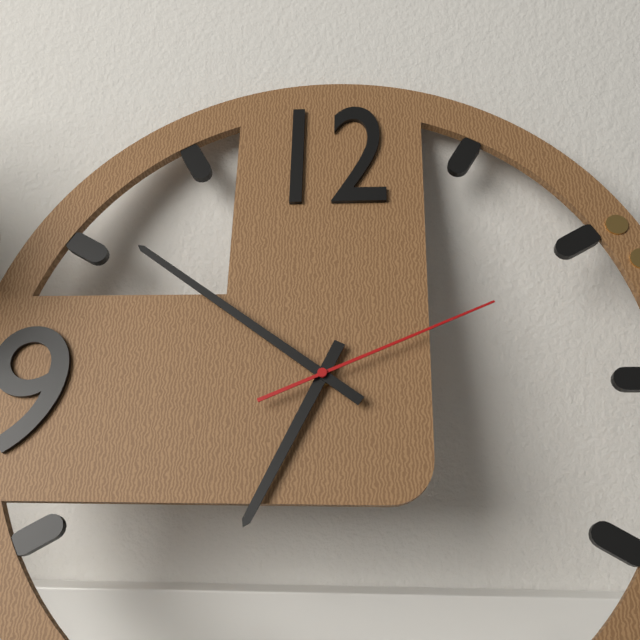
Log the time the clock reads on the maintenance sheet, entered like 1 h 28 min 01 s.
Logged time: 6 h 51 min 11 s
